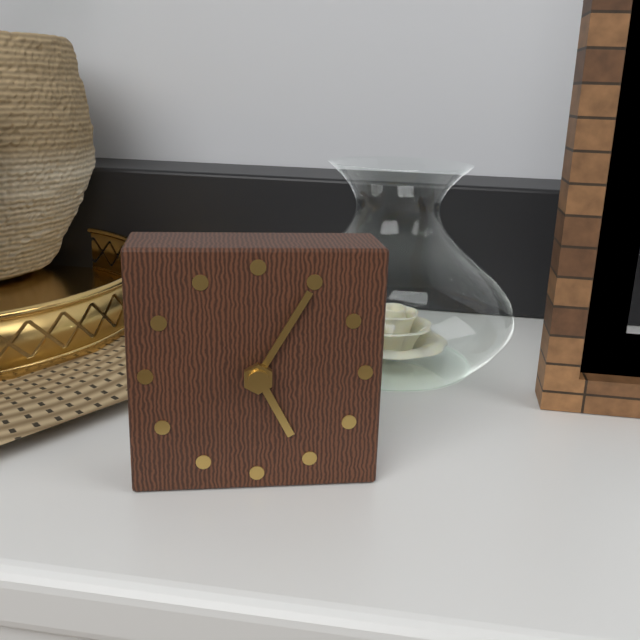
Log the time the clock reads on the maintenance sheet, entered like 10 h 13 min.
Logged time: 5 h 05 min
